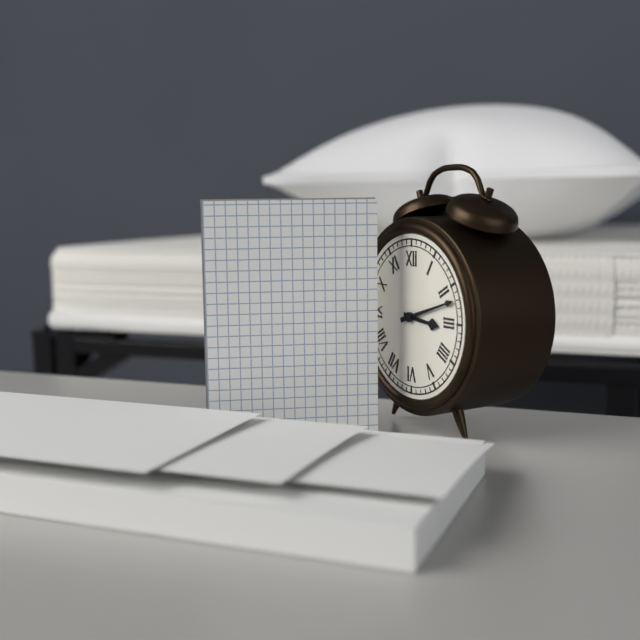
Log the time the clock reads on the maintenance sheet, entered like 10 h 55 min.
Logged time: 3 h 12 min
